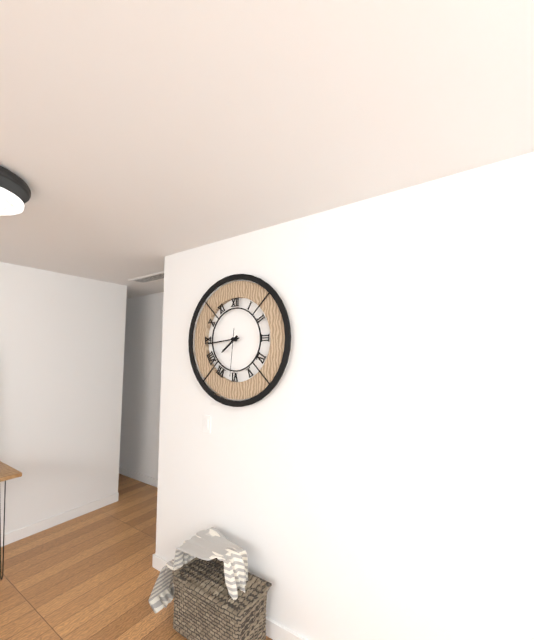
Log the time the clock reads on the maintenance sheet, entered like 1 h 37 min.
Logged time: 7 h 44 min
